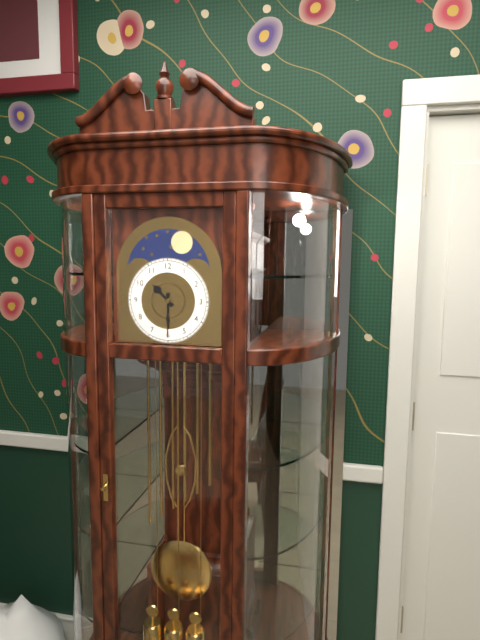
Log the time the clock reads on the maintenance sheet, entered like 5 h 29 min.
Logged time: 10 h 30 min
